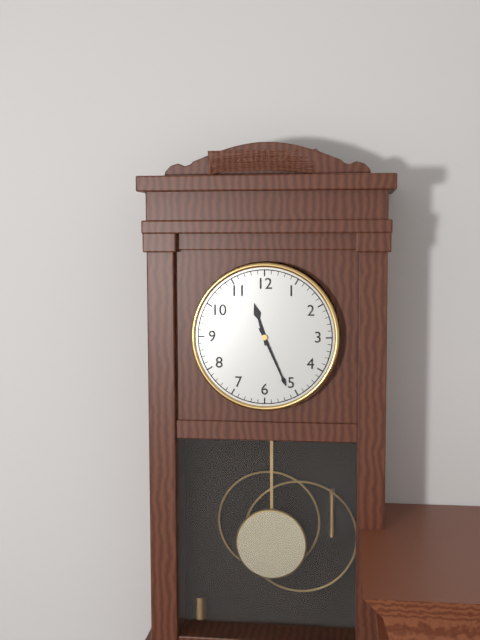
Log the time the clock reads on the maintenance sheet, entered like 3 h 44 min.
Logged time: 11 h 26 min
